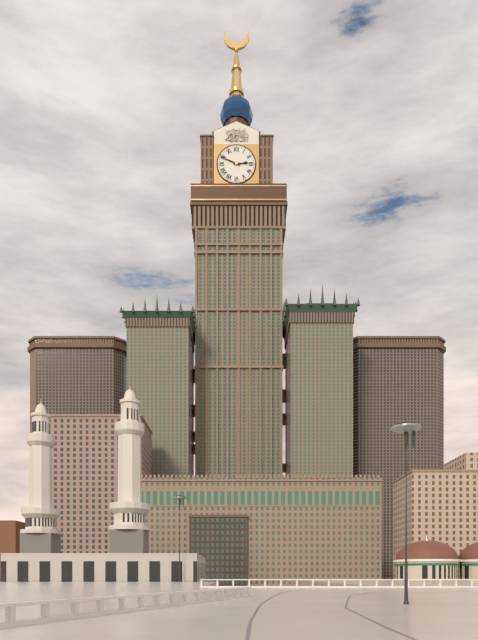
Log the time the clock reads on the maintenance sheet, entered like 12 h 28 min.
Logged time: 2 h 49 min
